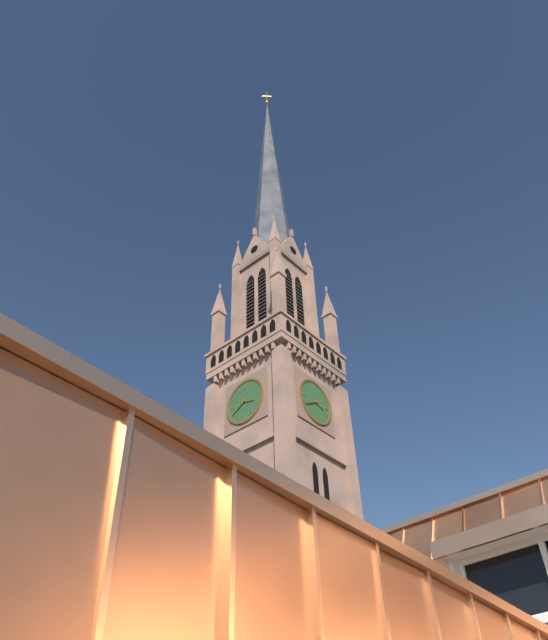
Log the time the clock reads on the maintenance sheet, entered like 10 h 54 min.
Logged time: 3 h 40 min
